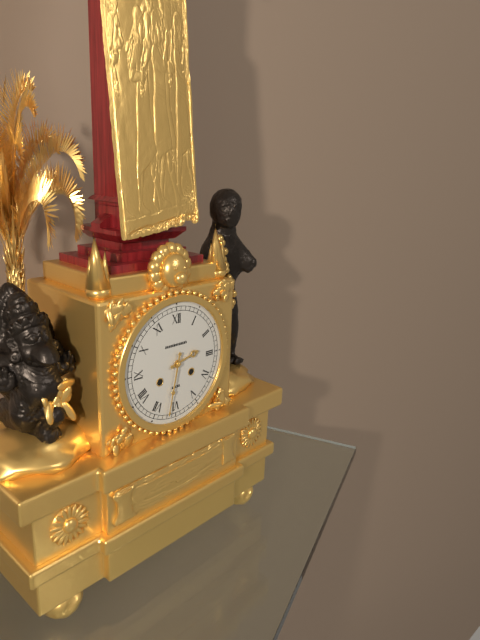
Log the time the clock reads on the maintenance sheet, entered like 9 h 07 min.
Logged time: 2 h 32 min
